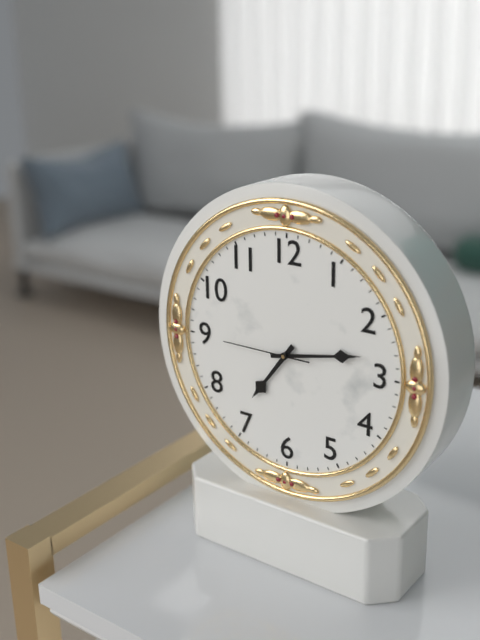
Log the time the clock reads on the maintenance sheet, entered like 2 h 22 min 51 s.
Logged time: 7 h 13 min 45 s
